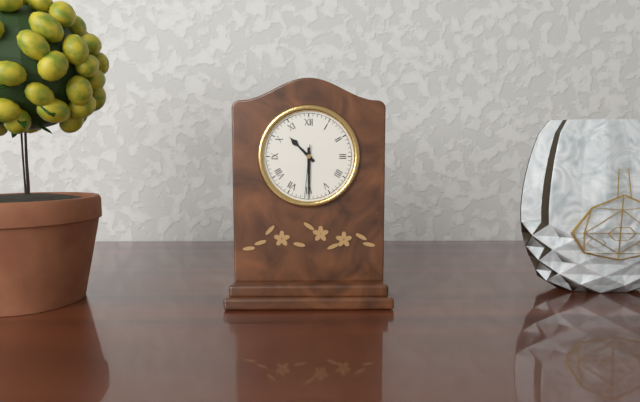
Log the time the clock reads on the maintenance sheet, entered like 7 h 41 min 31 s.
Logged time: 10 h 30 min 31 s
